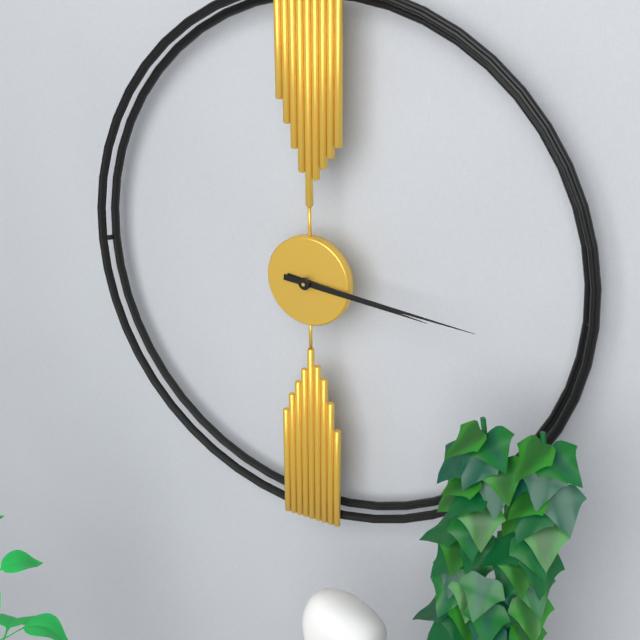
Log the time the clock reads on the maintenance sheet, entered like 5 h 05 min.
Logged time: 3 h 16 min
